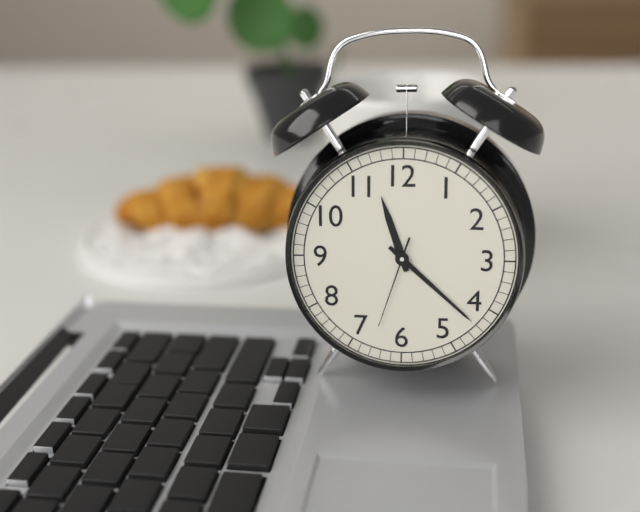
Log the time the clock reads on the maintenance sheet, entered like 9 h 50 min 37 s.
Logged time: 11 h 22 min 33 s
